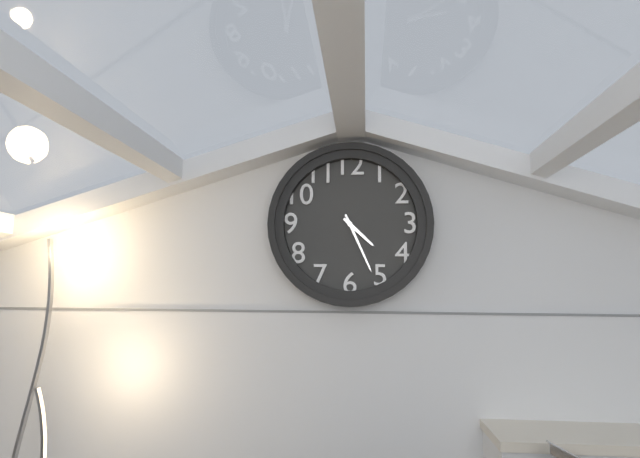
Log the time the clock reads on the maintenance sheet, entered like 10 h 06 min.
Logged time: 4 h 26 min
